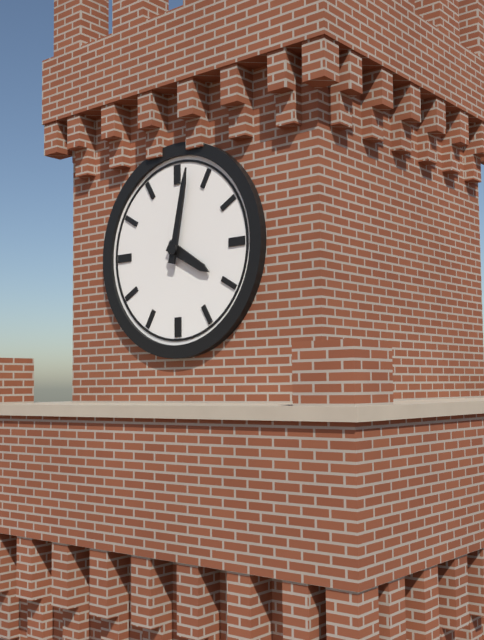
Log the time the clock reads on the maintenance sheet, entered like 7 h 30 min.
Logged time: 4 h 02 min
